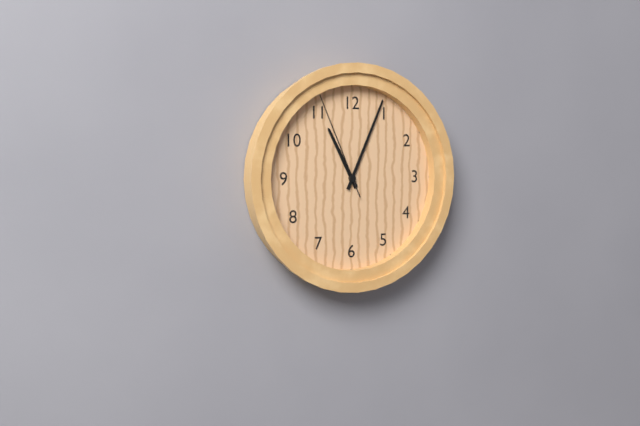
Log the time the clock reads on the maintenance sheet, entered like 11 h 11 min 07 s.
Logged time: 11 h 04 min 56 s
